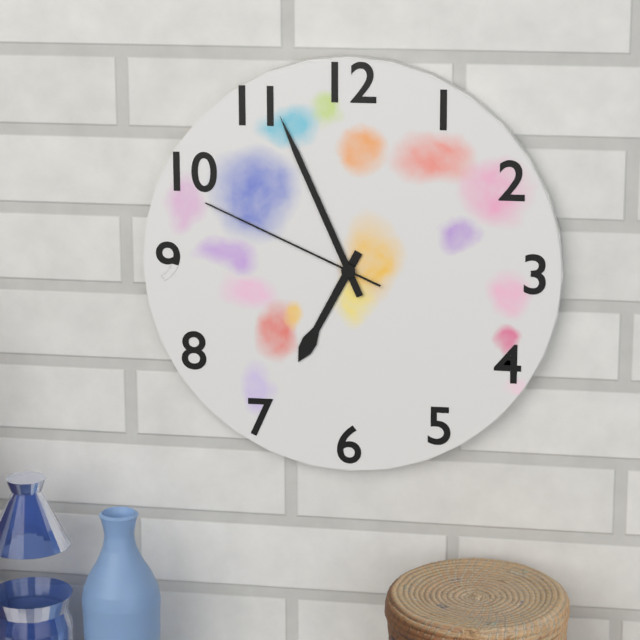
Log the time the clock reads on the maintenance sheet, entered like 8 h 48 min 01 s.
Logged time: 6 h 56 min 49 s
